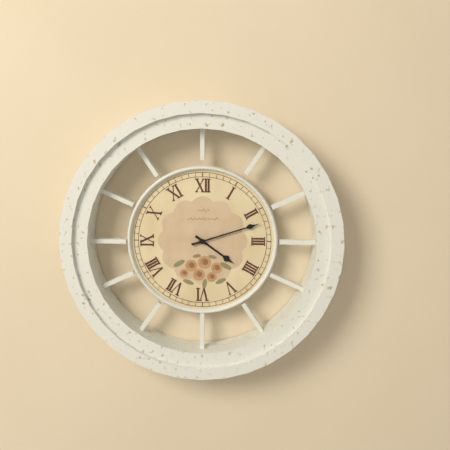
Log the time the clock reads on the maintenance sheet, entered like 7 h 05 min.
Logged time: 4 h 12 min
